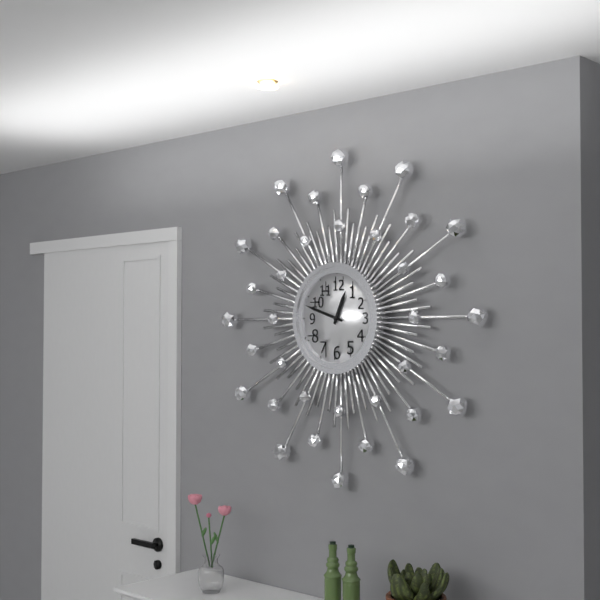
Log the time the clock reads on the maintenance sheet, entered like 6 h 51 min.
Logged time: 12 h 48 min
